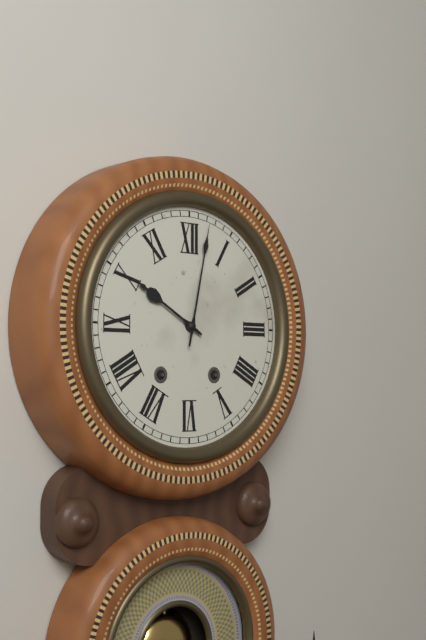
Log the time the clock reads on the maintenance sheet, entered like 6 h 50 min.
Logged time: 10 h 02 min
